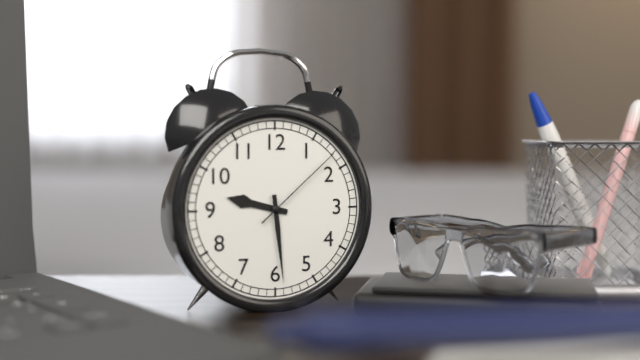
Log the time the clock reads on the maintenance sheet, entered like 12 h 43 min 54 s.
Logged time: 9 h 29 min 08 s
